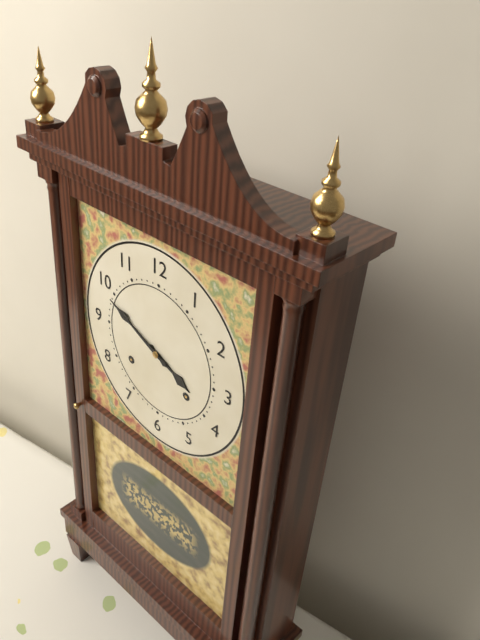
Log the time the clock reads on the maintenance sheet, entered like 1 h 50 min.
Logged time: 3 h 49 min
